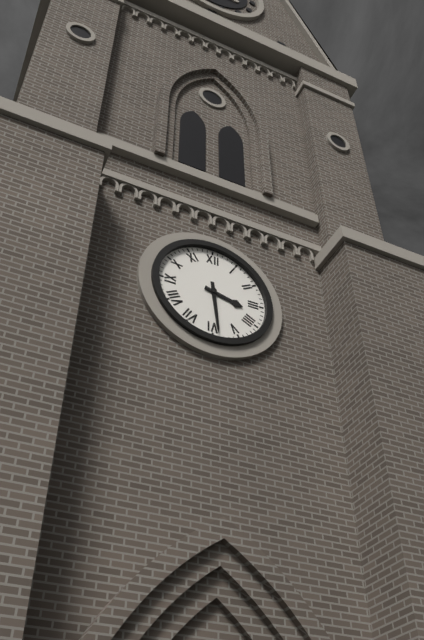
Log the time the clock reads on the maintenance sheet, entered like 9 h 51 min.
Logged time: 3 h 29 min
